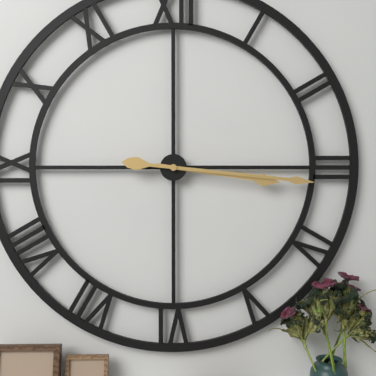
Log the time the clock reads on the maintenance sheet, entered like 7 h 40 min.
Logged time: 3 h 16 min
